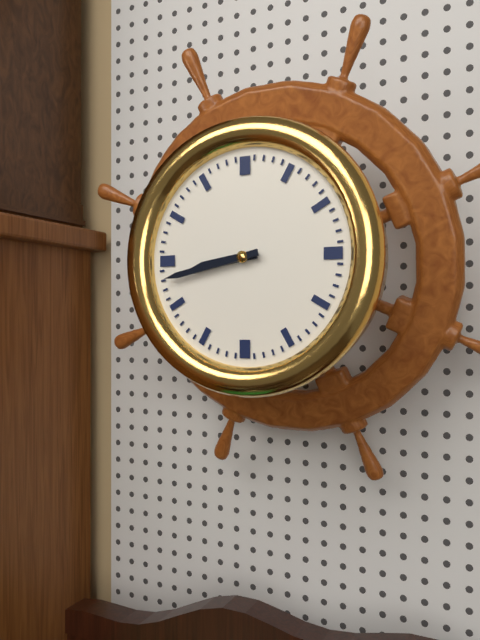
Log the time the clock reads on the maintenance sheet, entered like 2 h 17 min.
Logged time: 8 h 43 min
